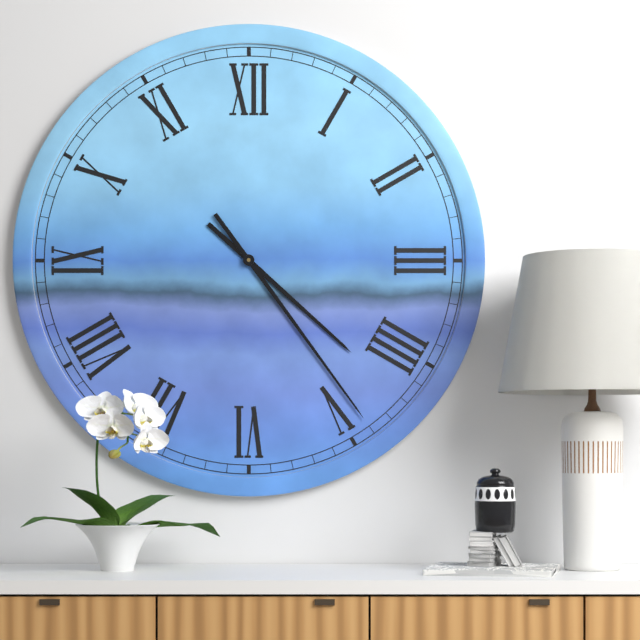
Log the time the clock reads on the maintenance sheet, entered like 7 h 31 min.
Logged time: 4 h 24 min
